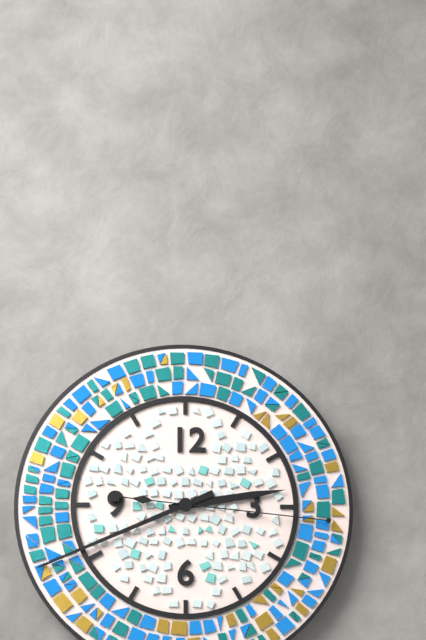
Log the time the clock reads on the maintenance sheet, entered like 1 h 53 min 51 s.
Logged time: 2 h 41 min 16 s
